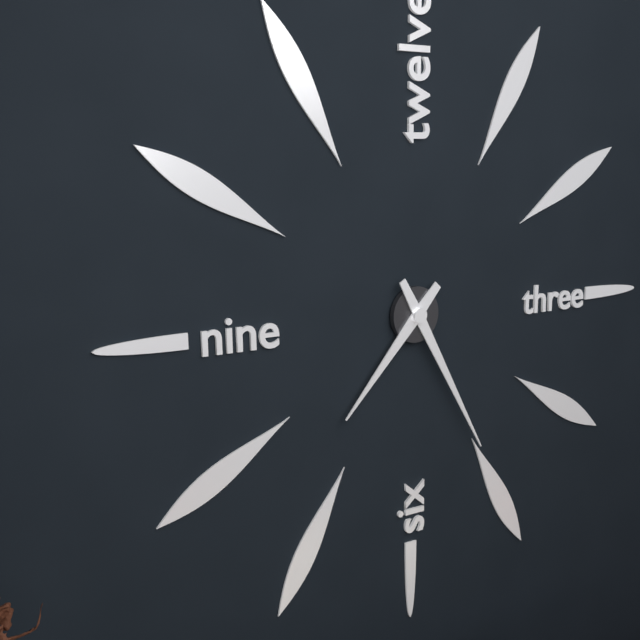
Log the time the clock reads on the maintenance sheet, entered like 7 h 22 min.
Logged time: 7 h 25 min
